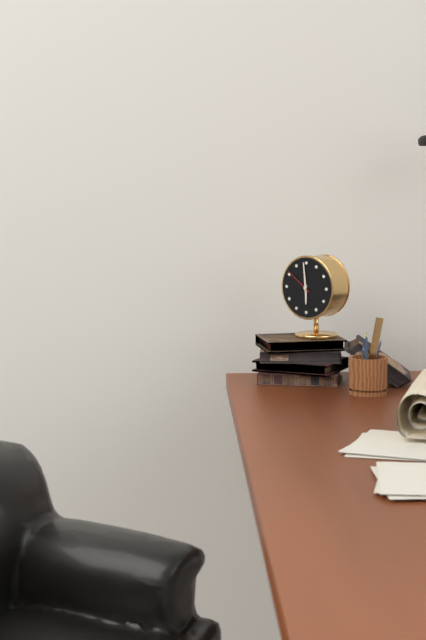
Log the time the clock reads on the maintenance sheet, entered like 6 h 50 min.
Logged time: 5 h 59 min
